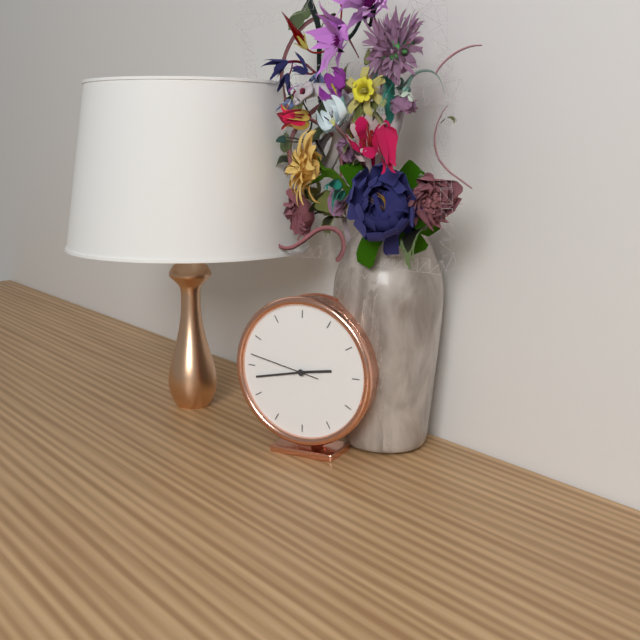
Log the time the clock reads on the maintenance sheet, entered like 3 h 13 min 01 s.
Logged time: 2 h 43 min 47 s
